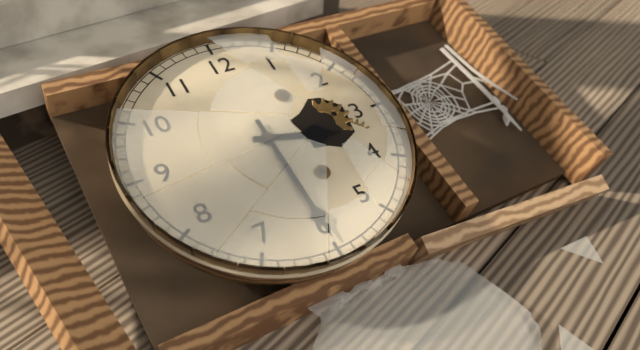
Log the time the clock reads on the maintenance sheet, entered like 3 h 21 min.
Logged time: 3 h 30 min
